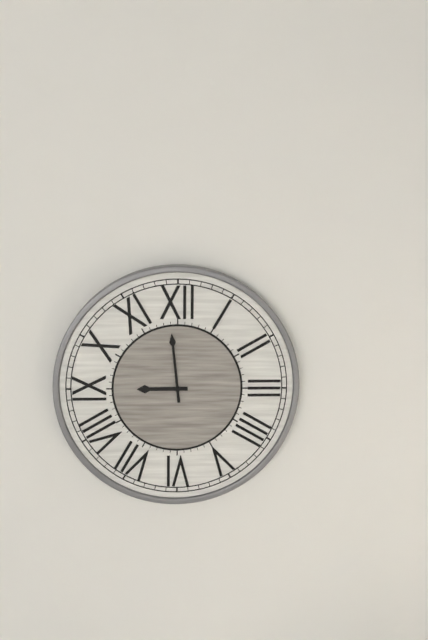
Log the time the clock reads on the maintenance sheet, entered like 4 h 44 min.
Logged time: 8 h 59 min
